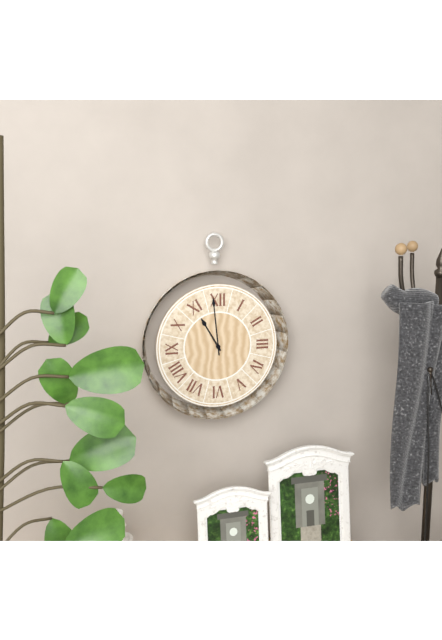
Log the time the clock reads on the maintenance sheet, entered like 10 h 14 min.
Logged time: 10 h 59 min
